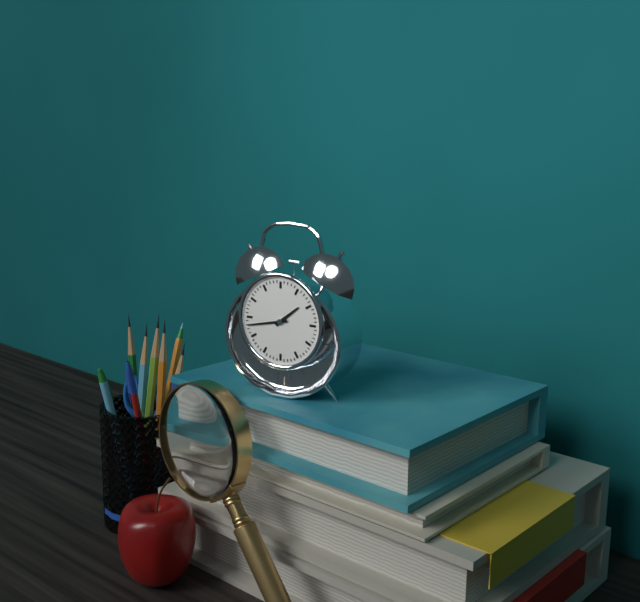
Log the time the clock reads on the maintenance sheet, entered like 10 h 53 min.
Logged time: 1 h 43 min
